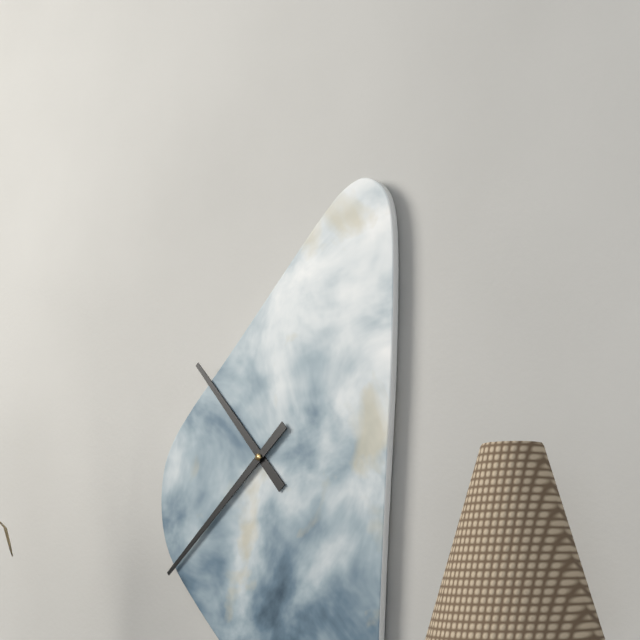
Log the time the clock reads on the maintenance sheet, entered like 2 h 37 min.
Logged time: 10 h 38 min
